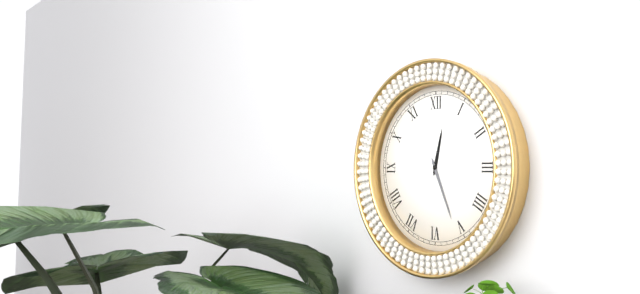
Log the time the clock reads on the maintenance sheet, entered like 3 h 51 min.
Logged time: 12 h 26 min
